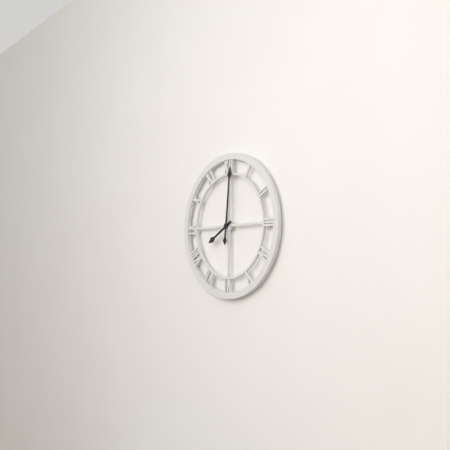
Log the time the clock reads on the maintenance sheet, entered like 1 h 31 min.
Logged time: 8 h 01 min
